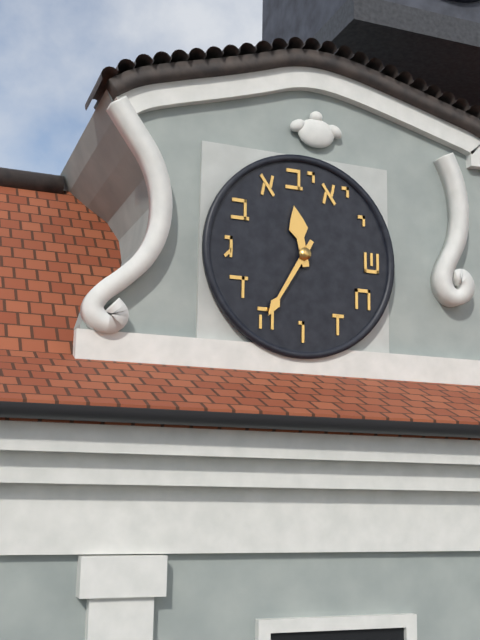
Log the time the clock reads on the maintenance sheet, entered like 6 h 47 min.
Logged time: 11 h 35 min
